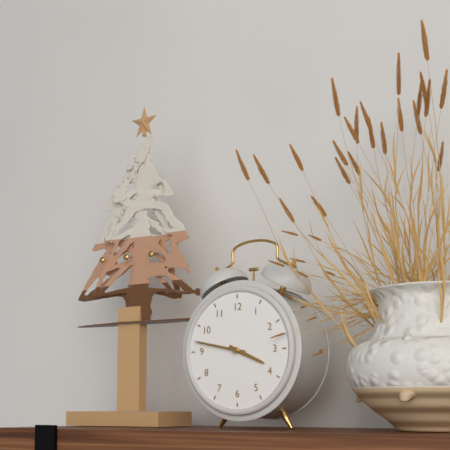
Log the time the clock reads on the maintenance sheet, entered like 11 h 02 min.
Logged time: 3 h 47 min
